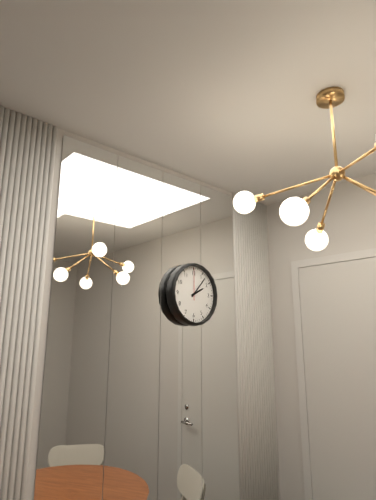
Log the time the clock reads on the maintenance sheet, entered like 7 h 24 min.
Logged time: 2 h 07 min
